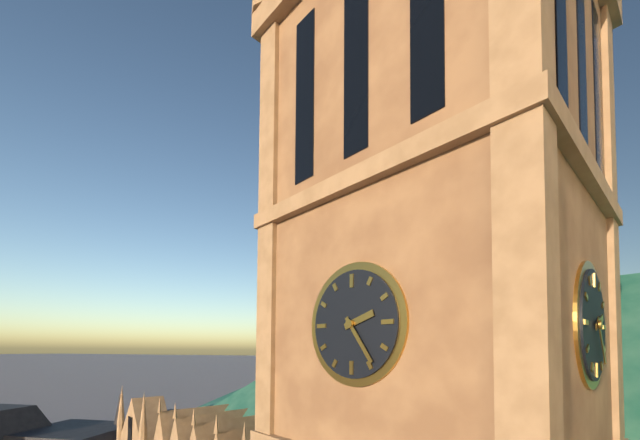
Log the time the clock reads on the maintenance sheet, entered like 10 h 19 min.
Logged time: 2 h 24 min
